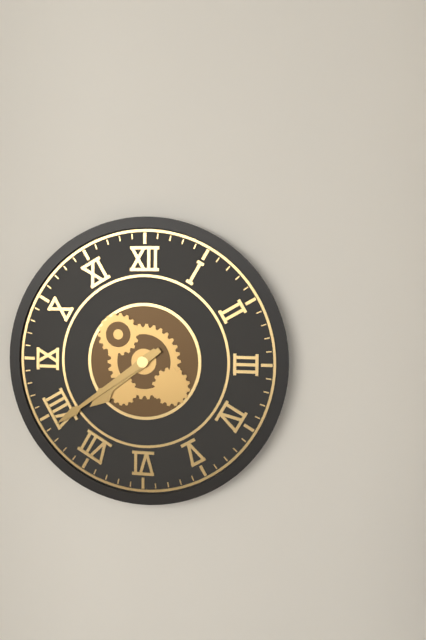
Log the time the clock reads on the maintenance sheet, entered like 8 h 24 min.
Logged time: 7 h 39 min
